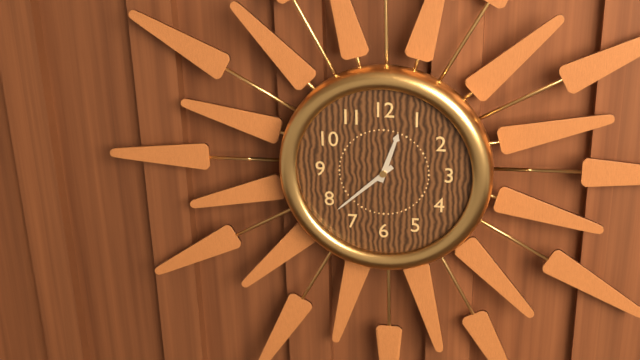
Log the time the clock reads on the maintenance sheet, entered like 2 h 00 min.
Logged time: 12 h 38 min
